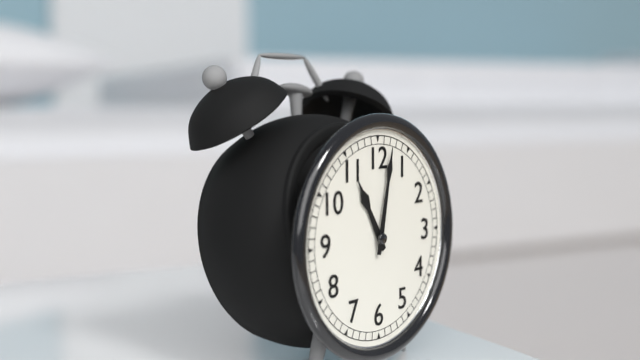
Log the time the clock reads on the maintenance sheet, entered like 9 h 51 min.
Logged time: 11 h 02 min
